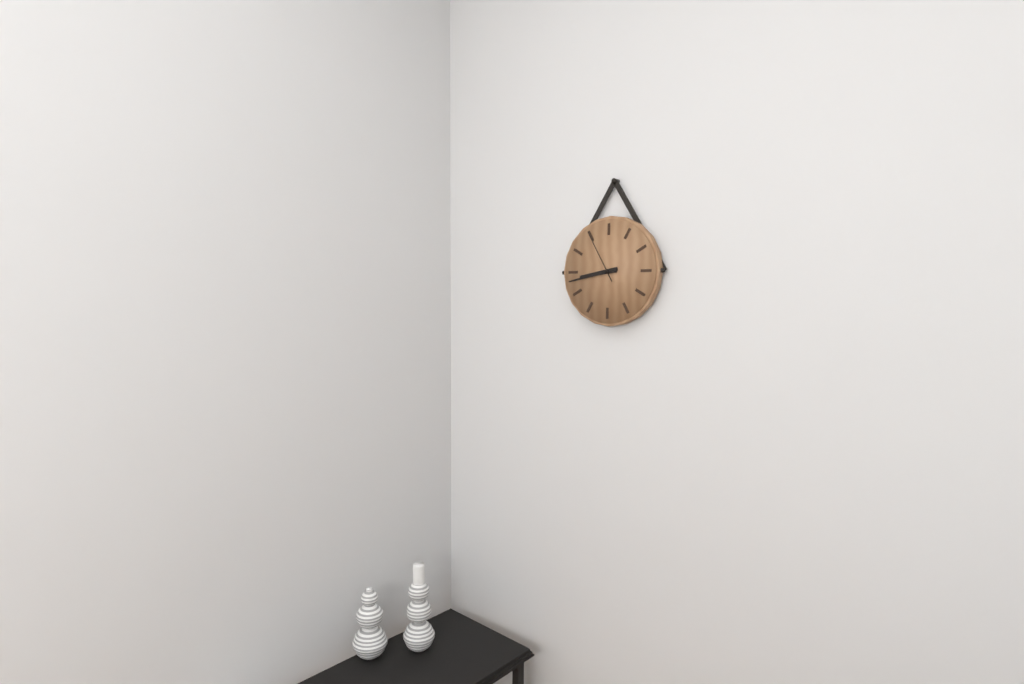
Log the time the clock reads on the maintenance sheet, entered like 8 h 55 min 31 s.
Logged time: 8 h 43 min 55 s
